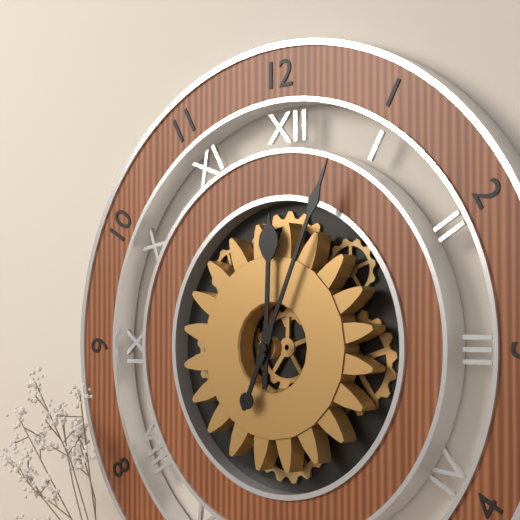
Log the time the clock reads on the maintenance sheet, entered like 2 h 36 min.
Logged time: 12 h 04 min
